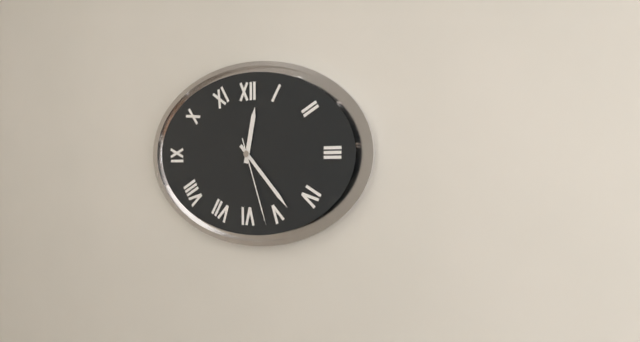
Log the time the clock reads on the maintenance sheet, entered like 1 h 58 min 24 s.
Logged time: 12 h 23 min 27 s
